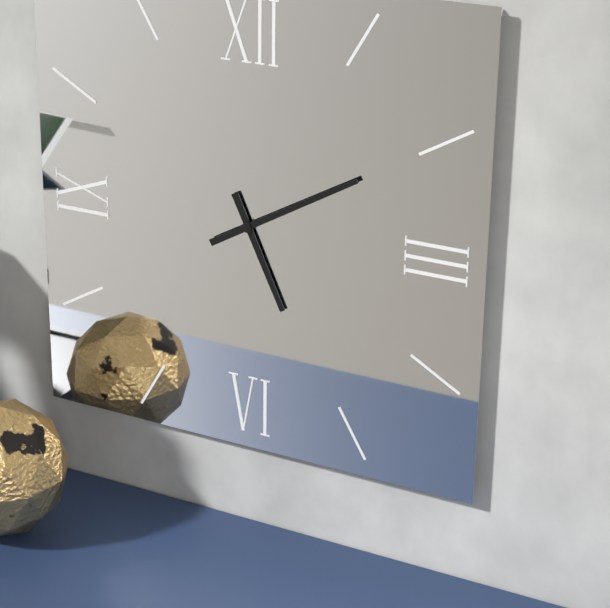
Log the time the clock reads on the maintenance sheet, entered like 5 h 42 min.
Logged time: 5 h 10 min
